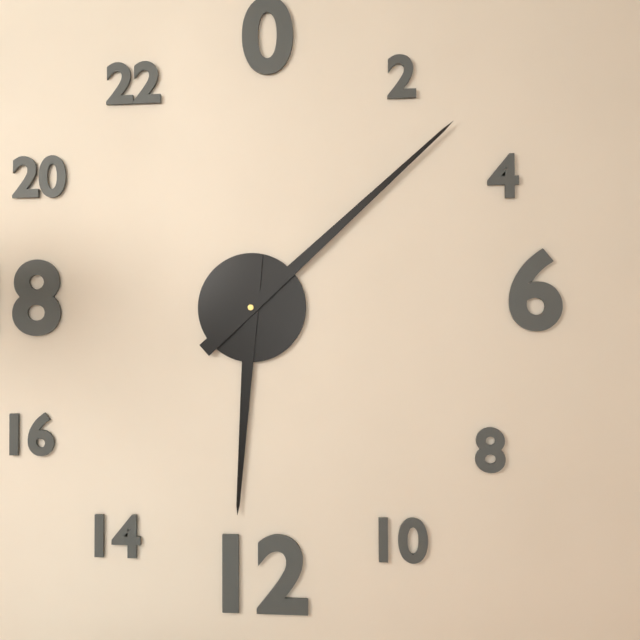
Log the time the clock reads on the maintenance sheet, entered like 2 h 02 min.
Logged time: 6 h 08 min
